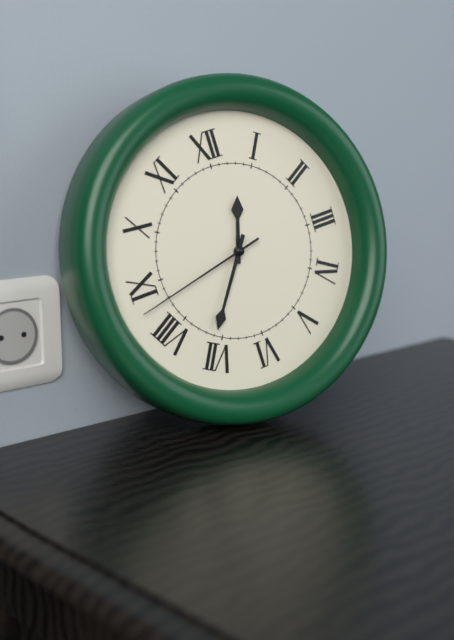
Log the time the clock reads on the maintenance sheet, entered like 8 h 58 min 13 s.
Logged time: 12 h 36 min 43 s
